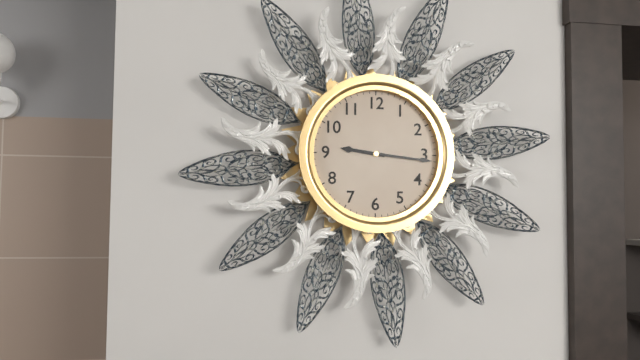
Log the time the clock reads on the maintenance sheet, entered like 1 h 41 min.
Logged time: 9 h 16 min
